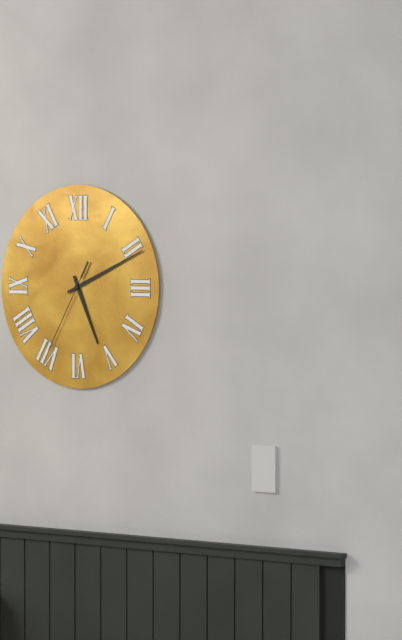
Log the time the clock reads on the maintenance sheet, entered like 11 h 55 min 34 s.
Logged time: 5 h 11 min 35 s
